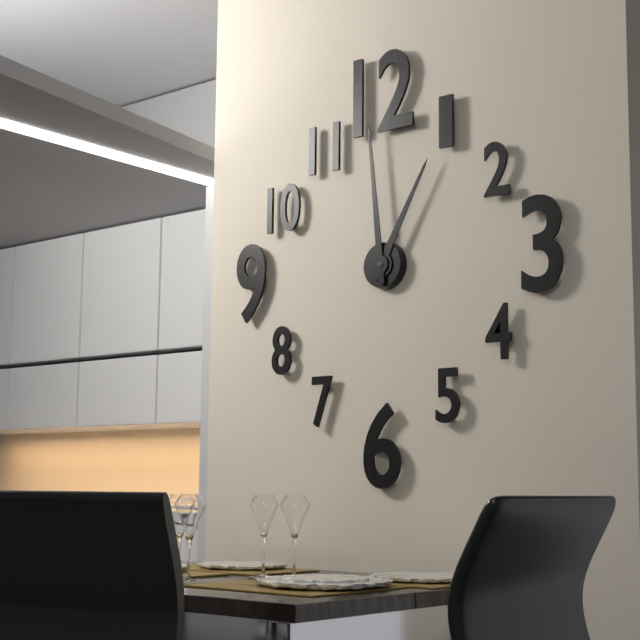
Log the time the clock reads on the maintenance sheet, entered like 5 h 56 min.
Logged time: 12 h 59 min
